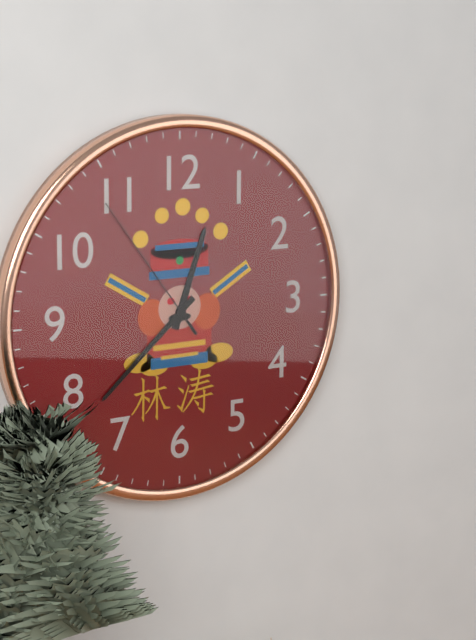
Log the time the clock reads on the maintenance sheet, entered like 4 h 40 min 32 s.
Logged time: 12 h 38 min 54 s
